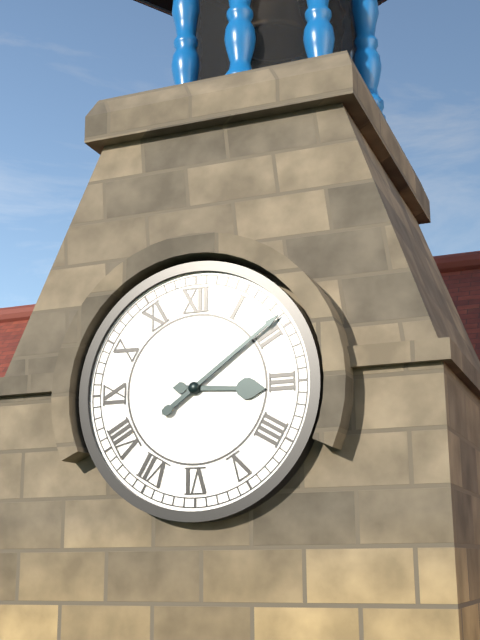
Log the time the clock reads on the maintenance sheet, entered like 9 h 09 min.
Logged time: 3 h 09 min
